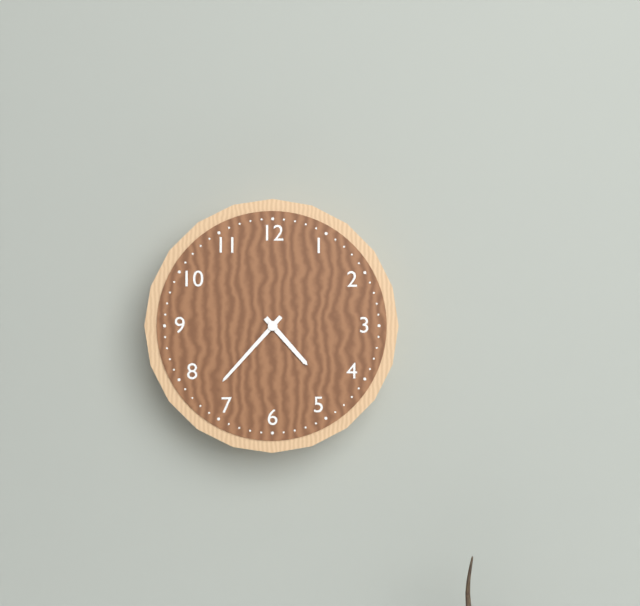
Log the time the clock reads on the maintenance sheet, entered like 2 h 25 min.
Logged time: 4 h 37 min
